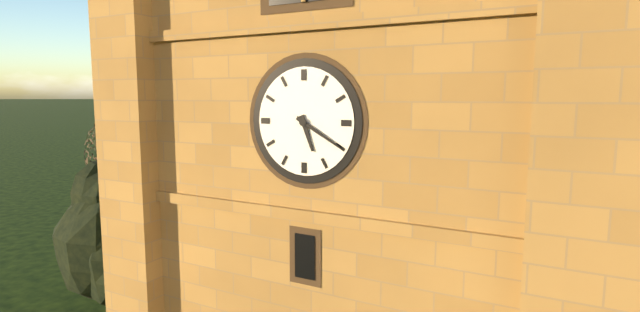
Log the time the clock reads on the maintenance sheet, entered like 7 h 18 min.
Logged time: 5 h 20 min
